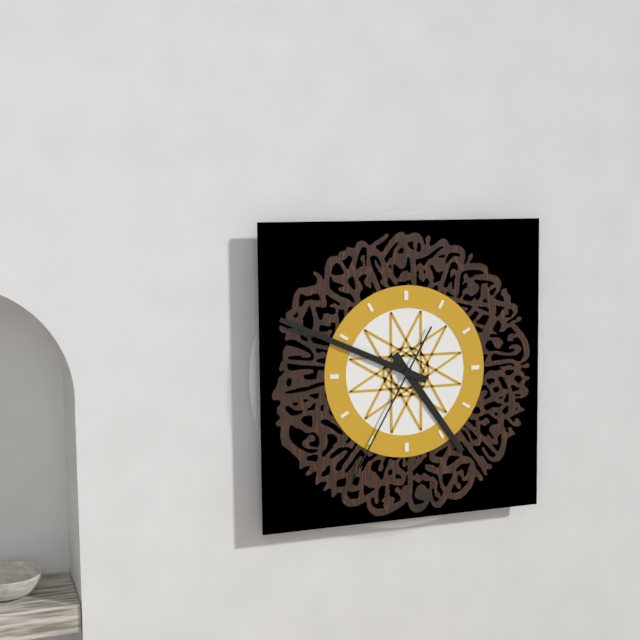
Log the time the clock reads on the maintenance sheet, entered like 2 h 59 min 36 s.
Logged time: 4 h 49 min 35 s
